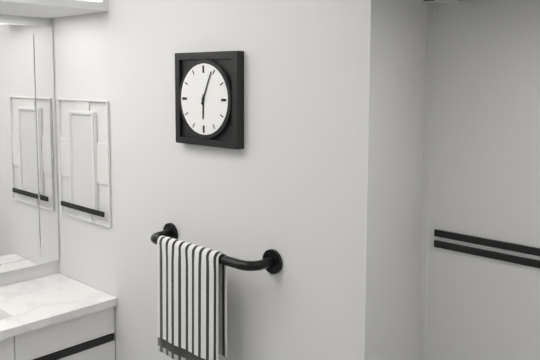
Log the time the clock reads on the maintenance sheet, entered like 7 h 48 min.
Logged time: 6 h 04 min
